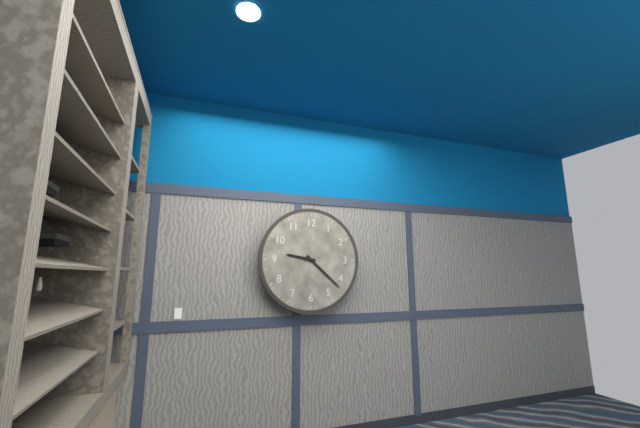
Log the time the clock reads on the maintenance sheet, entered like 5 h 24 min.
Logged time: 9 h 22 min
